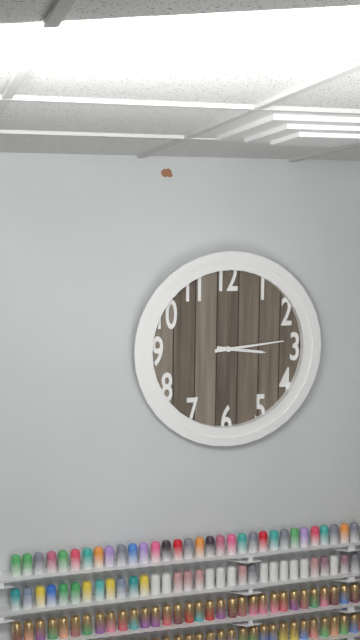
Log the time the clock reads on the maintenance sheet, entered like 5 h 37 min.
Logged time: 3 h 14 min
